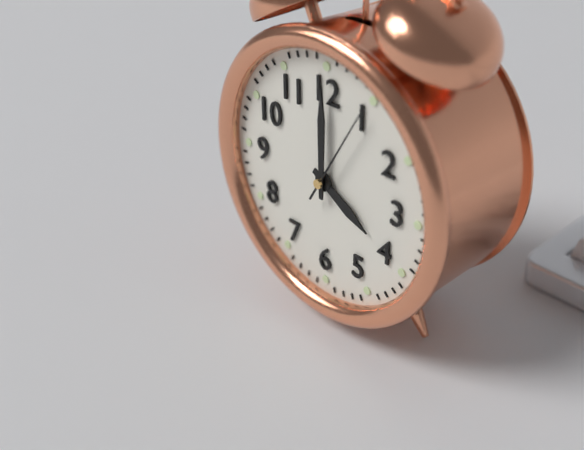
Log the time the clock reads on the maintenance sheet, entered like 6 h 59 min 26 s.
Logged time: 4 h 00 min 05 s
